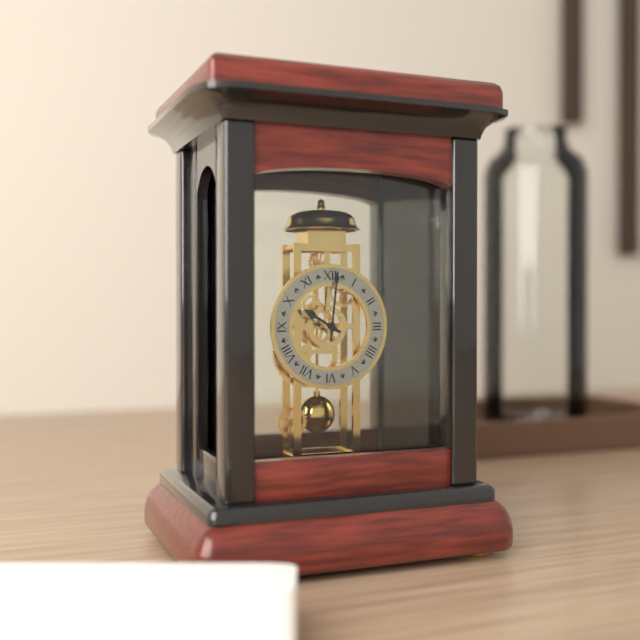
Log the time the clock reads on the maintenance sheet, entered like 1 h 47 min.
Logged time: 10 h 01 min
